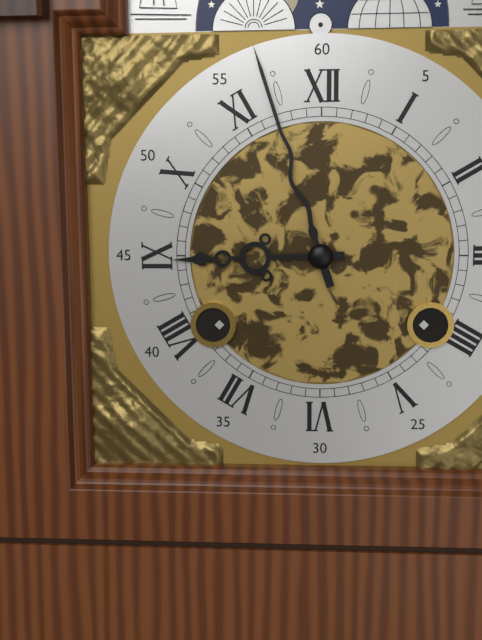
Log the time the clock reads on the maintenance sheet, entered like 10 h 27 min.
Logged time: 8 h 57 min
